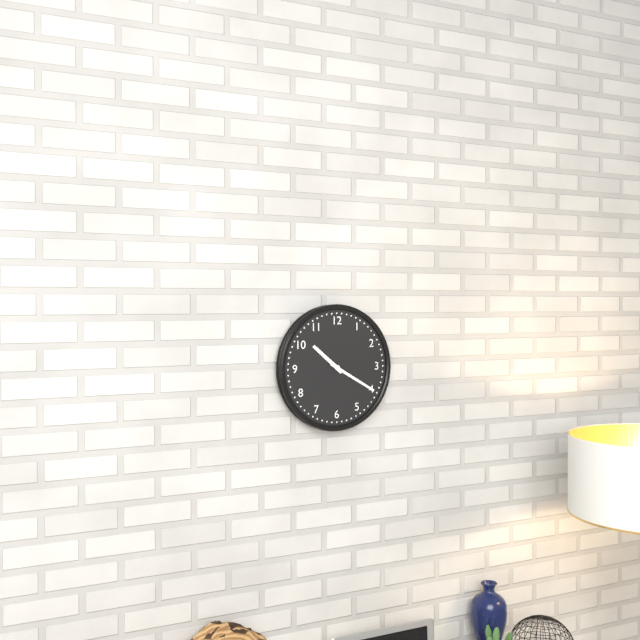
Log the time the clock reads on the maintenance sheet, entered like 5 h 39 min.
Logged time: 10 h 20 min
